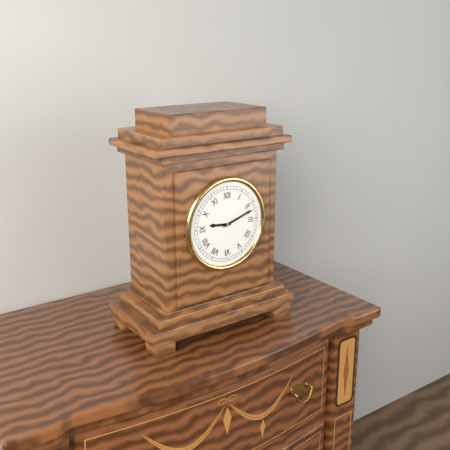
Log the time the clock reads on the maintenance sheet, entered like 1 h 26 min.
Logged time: 9 h 12 min
